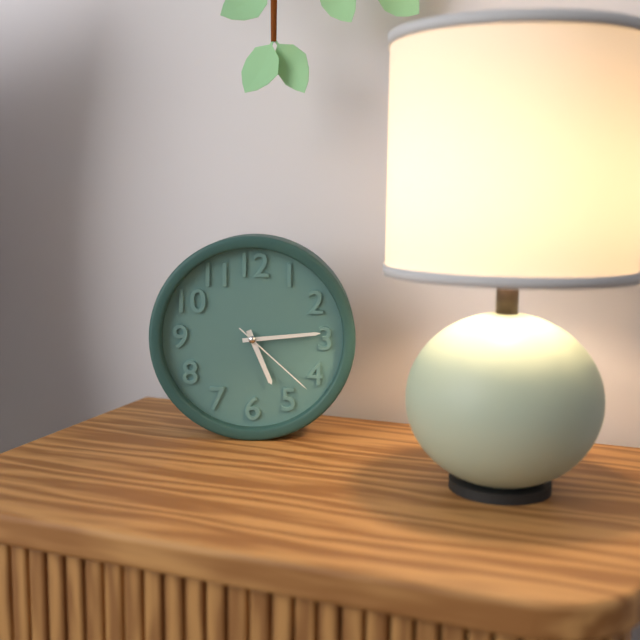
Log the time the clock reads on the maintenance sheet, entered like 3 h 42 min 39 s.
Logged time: 5 h 14 min 22 s
